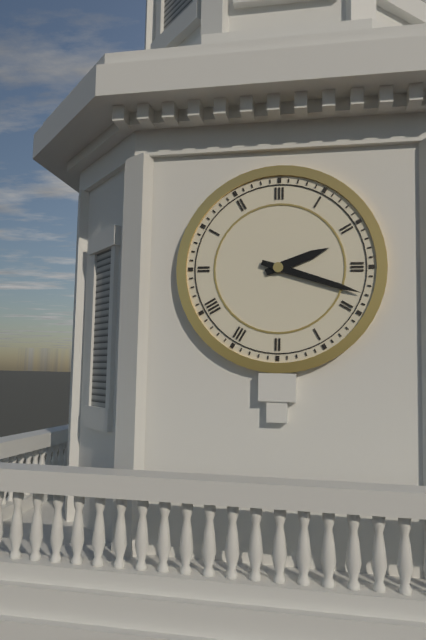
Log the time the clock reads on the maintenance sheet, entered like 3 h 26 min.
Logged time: 2 h 18 min
